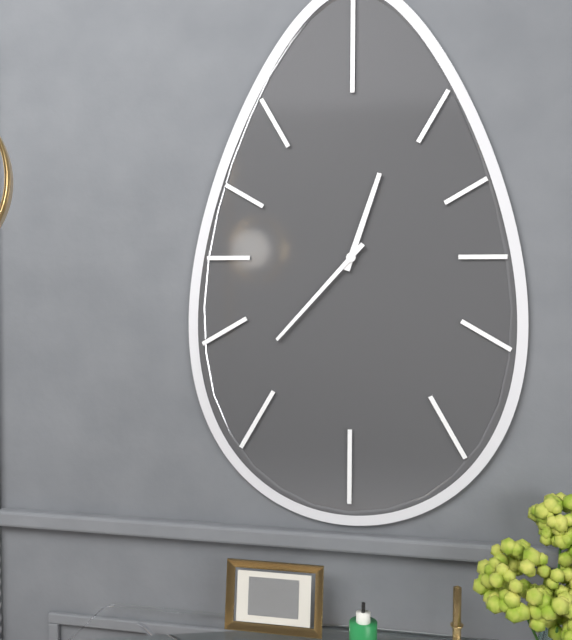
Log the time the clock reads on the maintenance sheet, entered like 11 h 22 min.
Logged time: 12 h 37 min
